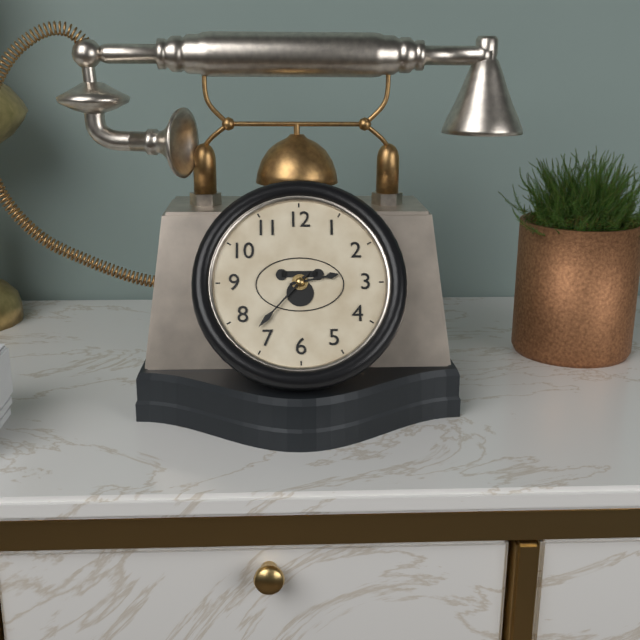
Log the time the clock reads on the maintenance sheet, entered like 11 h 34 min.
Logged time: 2 h 37 min
